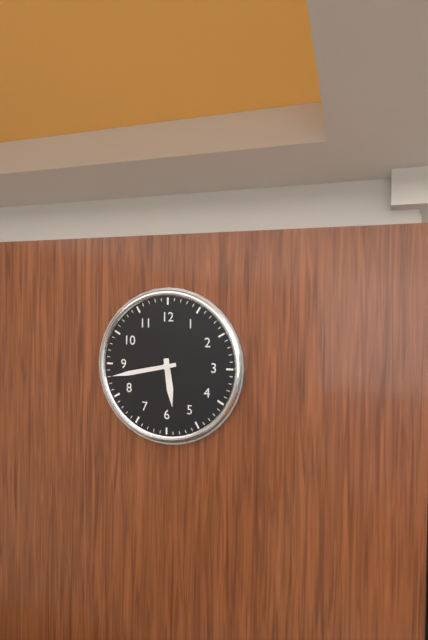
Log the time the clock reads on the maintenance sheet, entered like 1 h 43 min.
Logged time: 5 h 43 min
